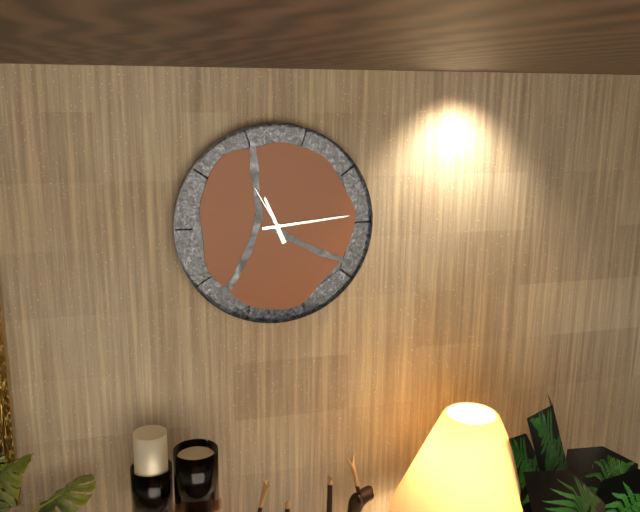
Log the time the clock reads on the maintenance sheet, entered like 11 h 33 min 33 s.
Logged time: 11 h 14 min 55 s
